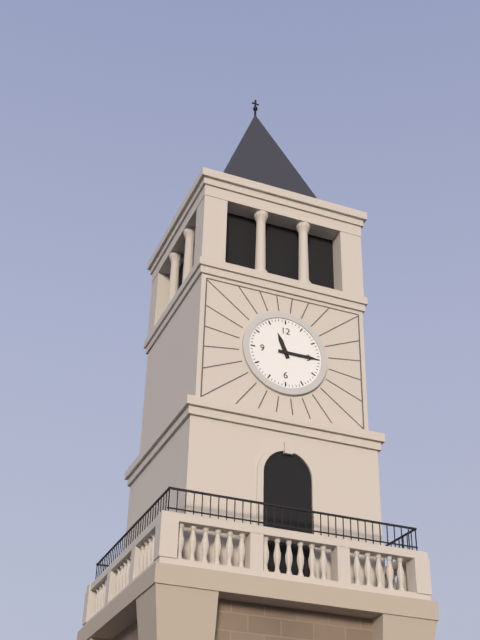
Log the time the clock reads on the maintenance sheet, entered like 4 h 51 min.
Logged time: 11 h 15 min
